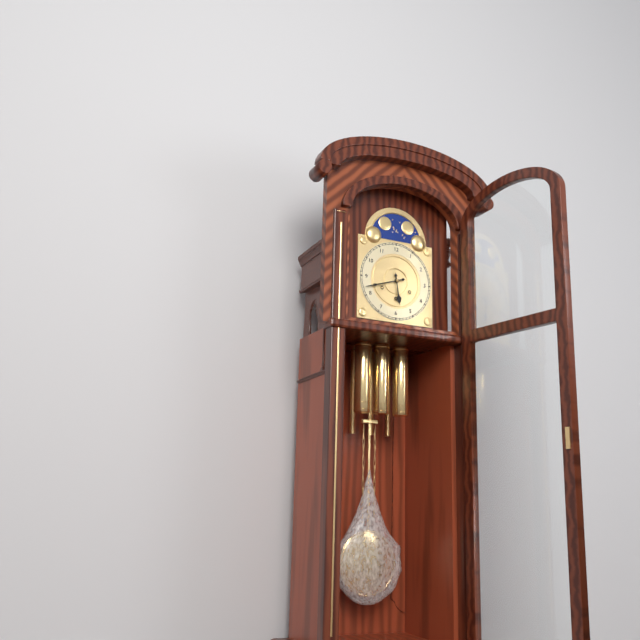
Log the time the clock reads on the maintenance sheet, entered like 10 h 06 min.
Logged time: 5 h 42 min
